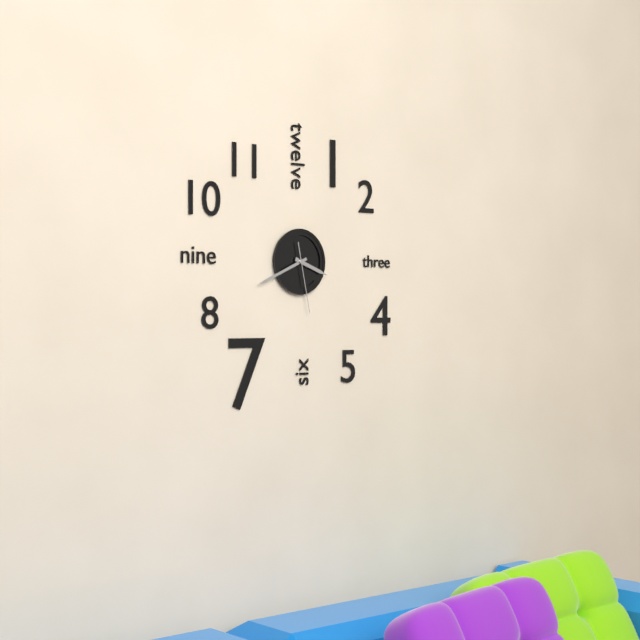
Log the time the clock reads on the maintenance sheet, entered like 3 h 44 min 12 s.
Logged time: 3 h 41 min 28 s
